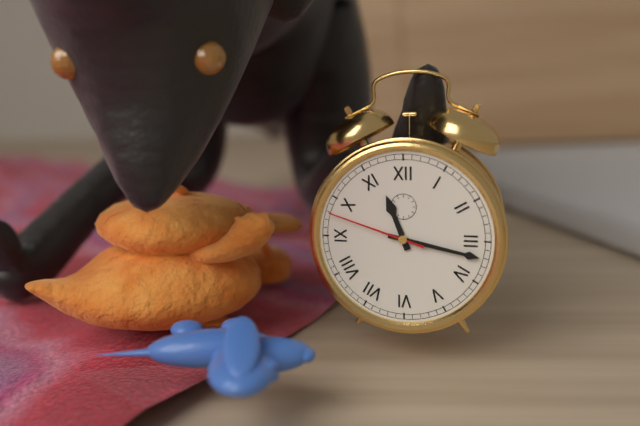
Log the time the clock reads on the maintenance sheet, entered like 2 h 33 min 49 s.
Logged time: 11 h 17 min 48 s
